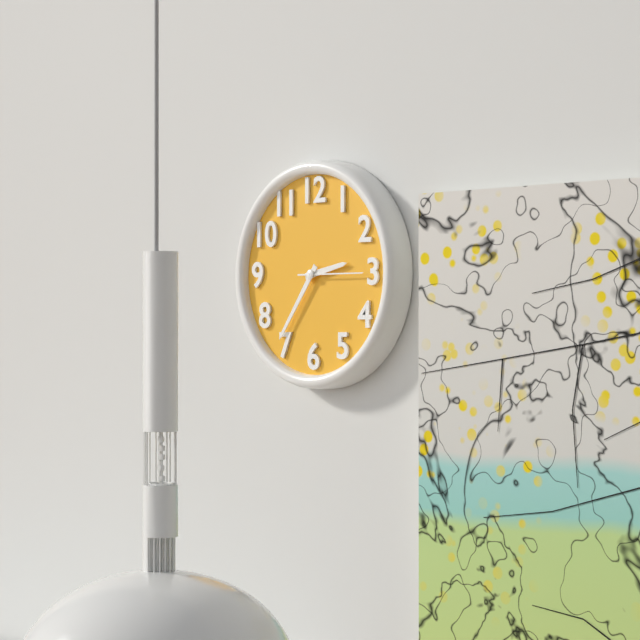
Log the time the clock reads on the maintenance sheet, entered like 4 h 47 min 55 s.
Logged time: 2 h 36 min 15 s
